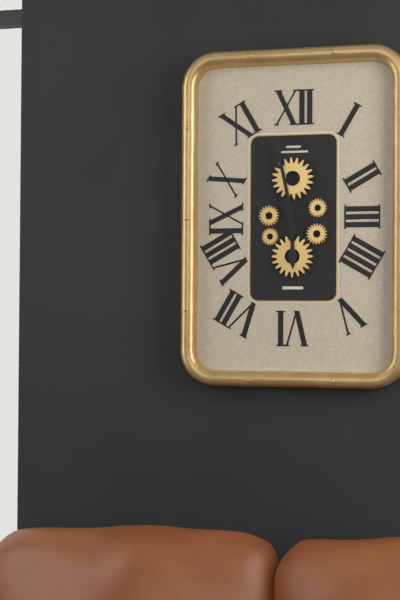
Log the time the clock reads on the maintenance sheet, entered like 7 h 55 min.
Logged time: 5 h 58 min
